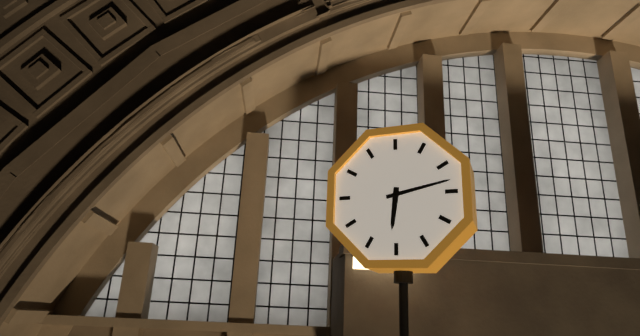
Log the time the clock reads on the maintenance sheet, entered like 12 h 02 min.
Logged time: 6 h 13 min
